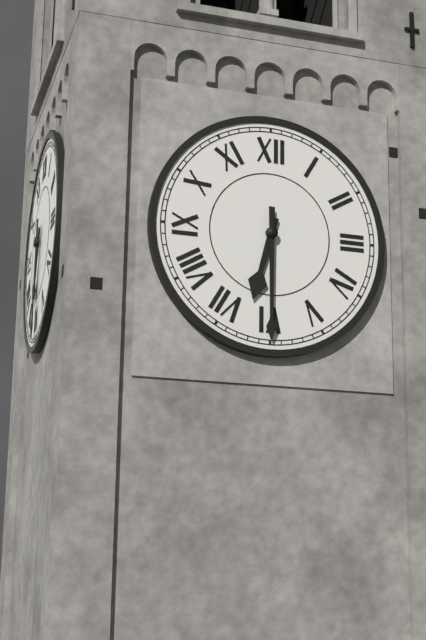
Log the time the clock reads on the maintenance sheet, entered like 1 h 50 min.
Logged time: 6 h 30 min
